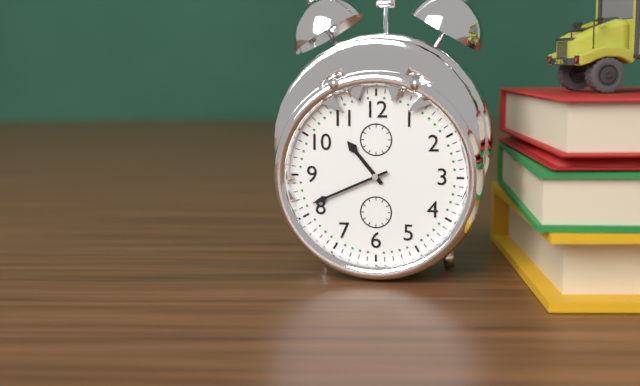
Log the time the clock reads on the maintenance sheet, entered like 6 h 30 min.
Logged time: 10 h 41 min
